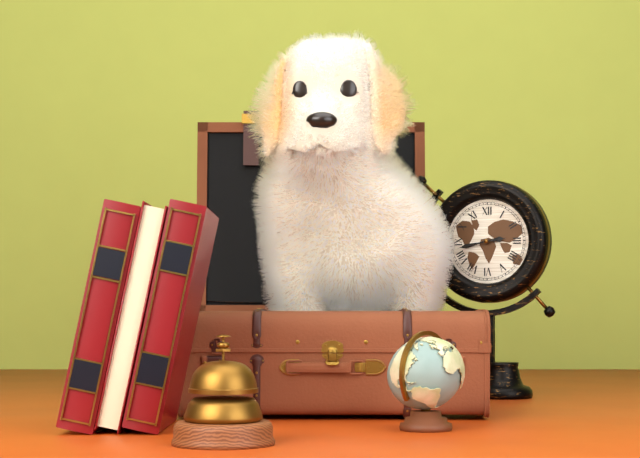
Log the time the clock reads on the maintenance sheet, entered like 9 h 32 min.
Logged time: 2 h 43 min
